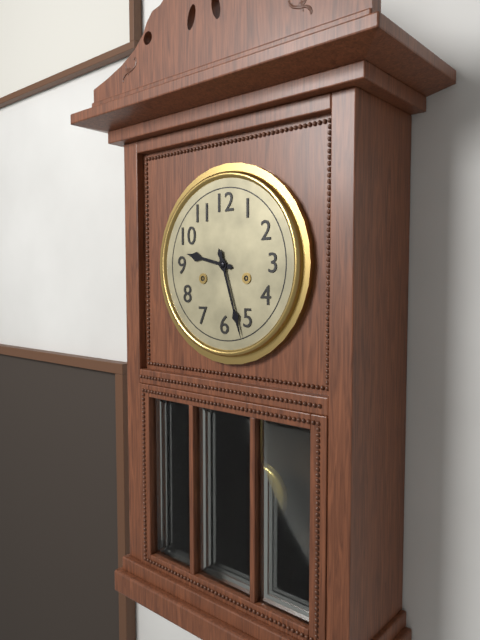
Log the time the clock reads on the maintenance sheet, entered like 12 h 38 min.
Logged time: 9 h 27 min
